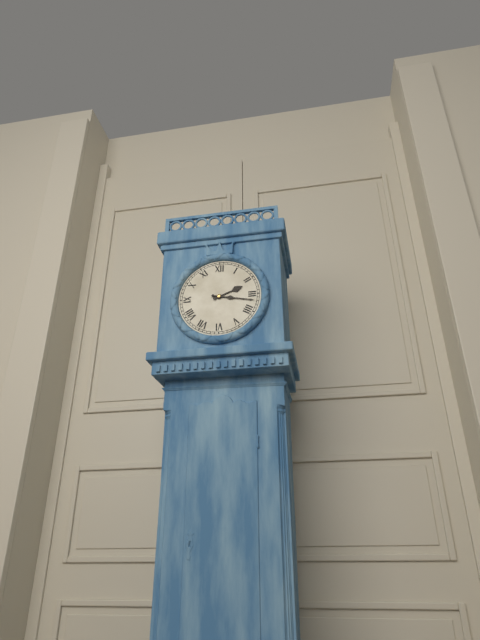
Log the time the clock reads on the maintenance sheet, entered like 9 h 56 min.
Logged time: 2 h 17 min
